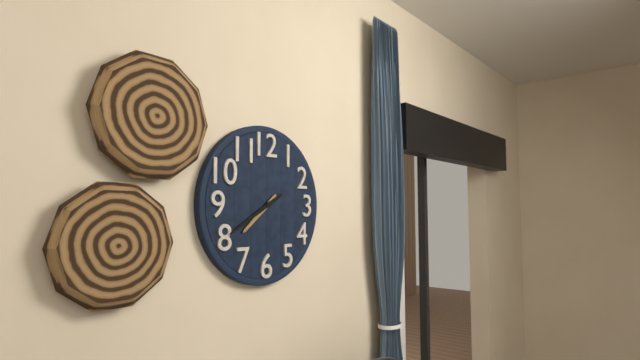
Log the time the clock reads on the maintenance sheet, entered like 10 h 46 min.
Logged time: 7 h 40 min
